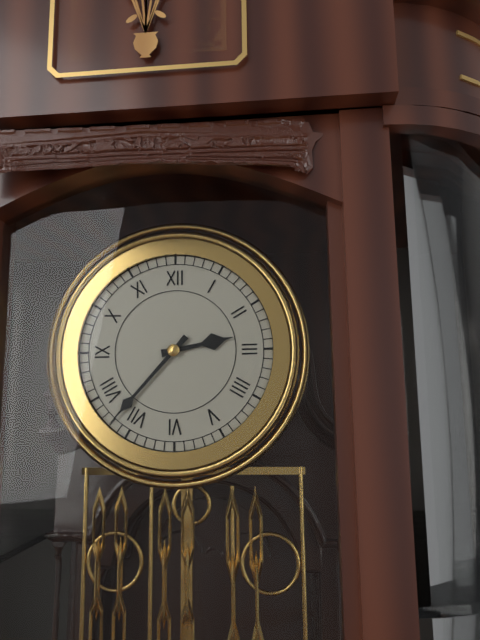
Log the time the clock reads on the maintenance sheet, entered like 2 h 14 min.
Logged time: 2 h 37 min
